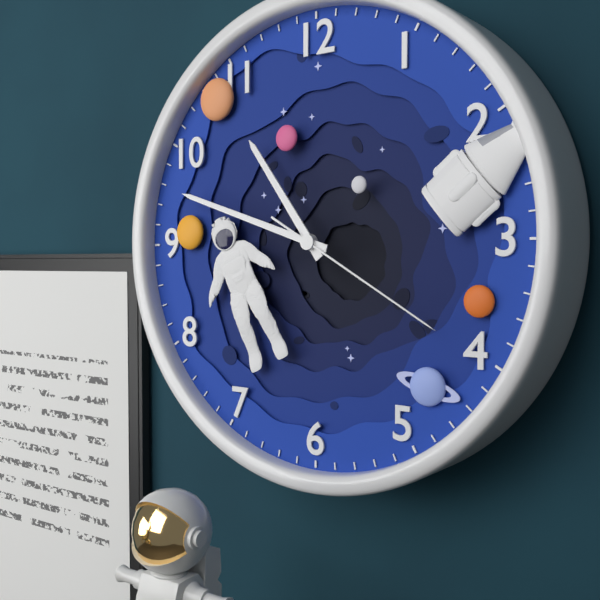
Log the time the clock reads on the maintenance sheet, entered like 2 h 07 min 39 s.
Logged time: 10 h 48 min 20 s
